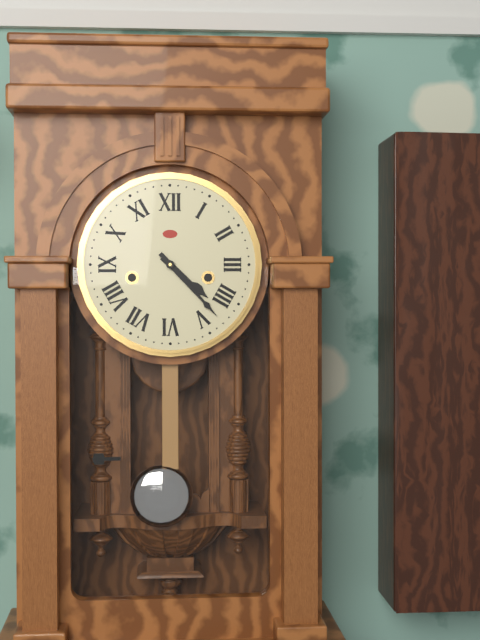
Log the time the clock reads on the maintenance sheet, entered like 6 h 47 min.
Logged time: 4 h 23 min
